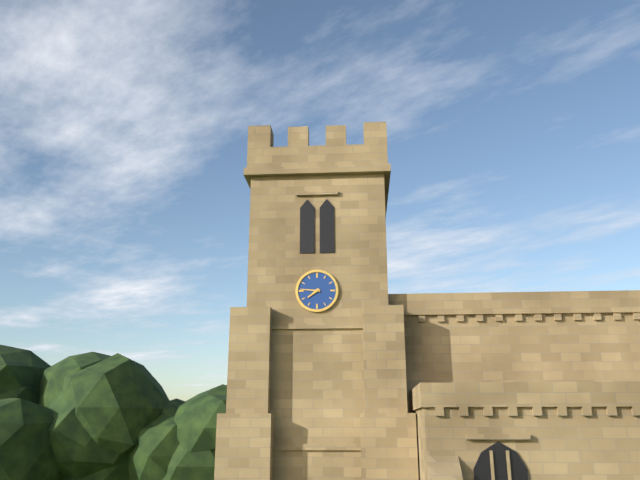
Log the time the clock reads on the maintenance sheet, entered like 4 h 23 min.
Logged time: 7 h 46 min
